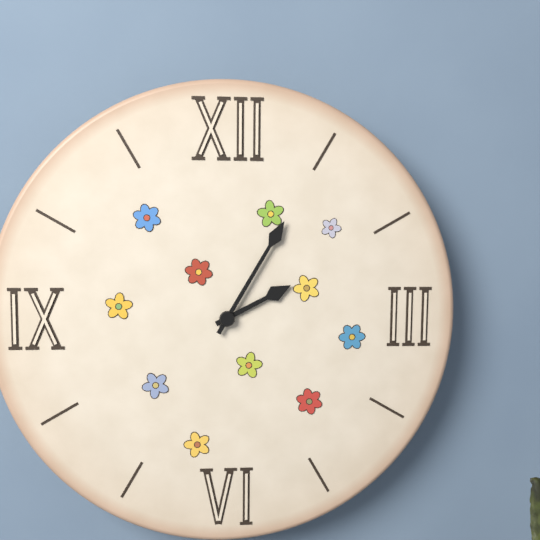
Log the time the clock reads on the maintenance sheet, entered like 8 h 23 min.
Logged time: 2 h 05 min
